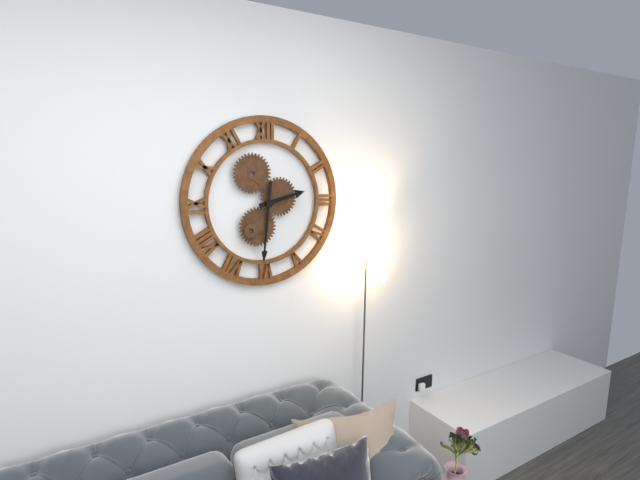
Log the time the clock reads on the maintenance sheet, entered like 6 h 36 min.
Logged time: 2 h 31 min
